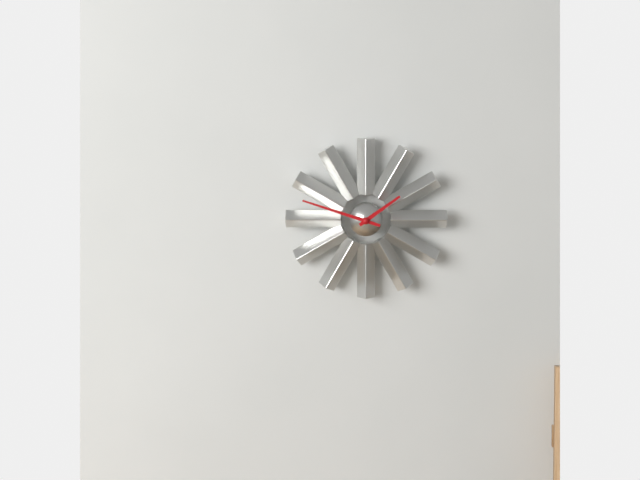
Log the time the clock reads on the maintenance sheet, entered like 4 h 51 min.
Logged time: 1 h 48 min
